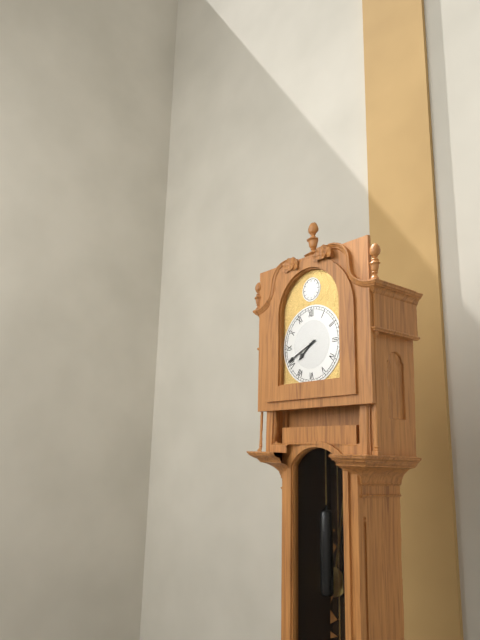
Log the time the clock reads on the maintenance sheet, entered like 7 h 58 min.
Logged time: 7 h 41 min
